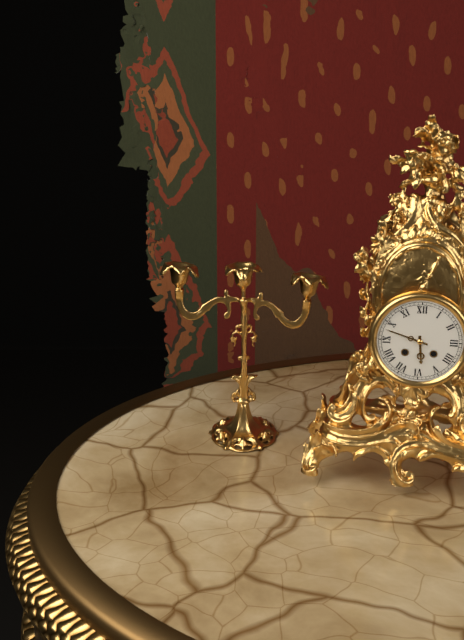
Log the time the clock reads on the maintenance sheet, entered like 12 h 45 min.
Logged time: 5 h 48 min
